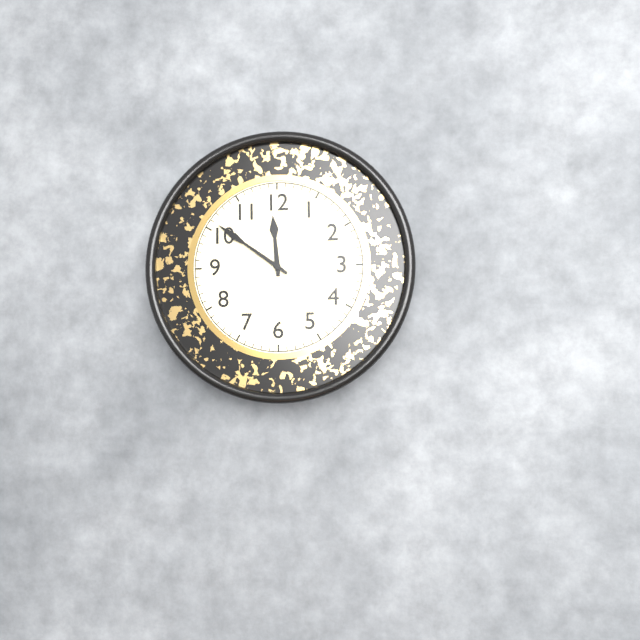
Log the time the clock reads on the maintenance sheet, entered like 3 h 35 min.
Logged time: 11 h 51 min
